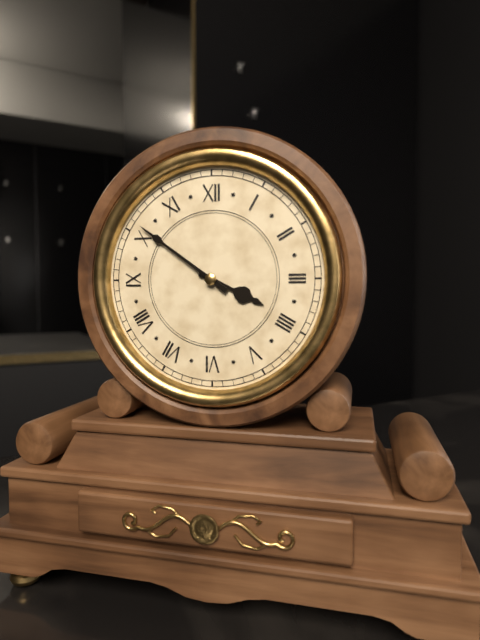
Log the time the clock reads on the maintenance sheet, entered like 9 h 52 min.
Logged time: 3 h 51 min
